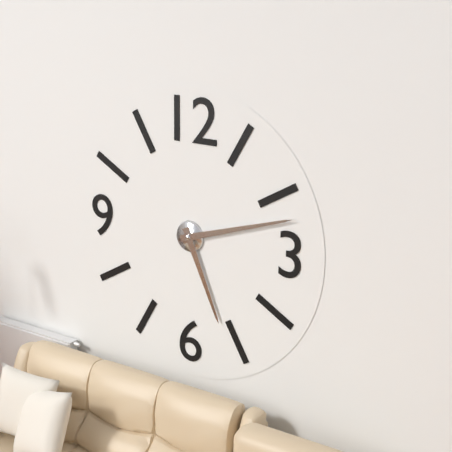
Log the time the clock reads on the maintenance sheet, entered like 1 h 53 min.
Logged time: 5 h 12 min
